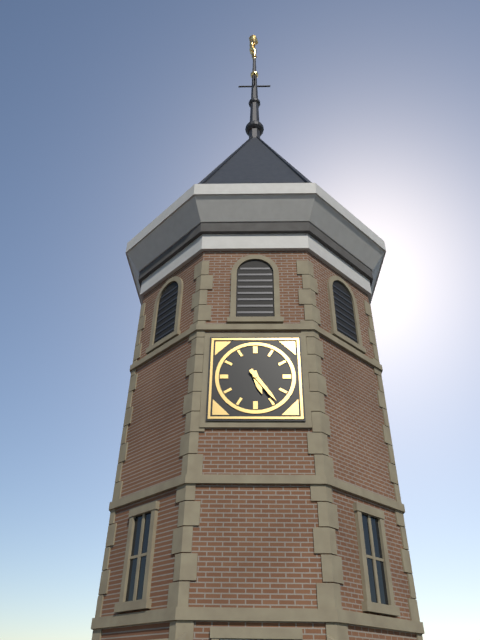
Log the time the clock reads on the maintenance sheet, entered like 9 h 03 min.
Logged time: 5 h 24 min
